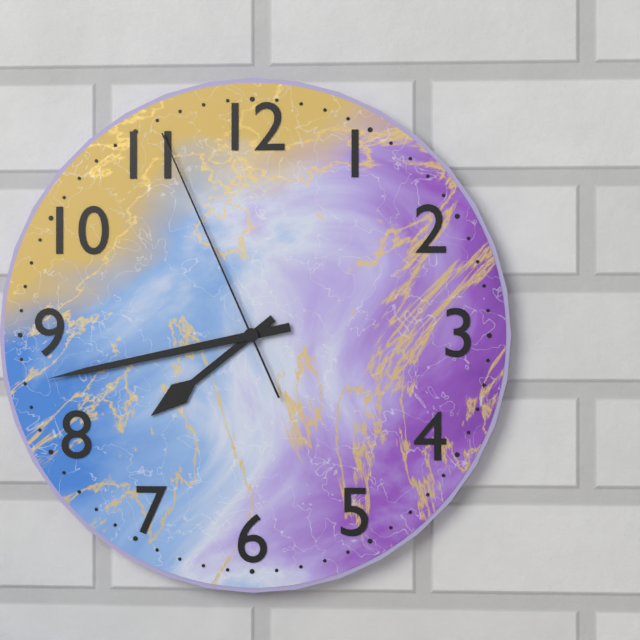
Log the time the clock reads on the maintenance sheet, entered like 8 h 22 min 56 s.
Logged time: 7 h 43 min 56 s
